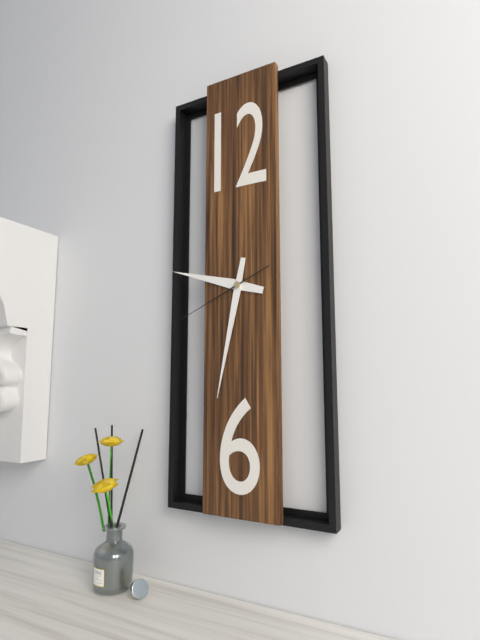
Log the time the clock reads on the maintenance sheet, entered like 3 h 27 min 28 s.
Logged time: 9 h 32 min 41 s
